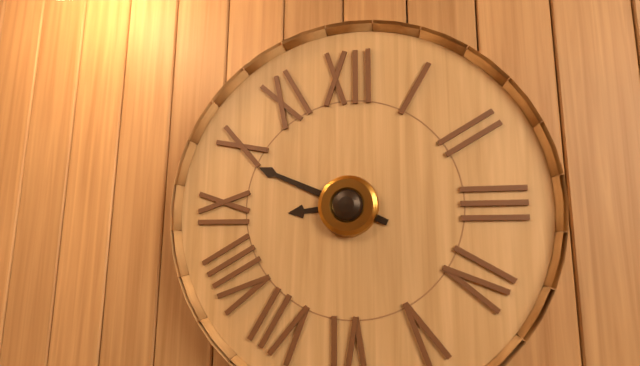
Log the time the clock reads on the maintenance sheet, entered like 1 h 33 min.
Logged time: 8 h 49 min
